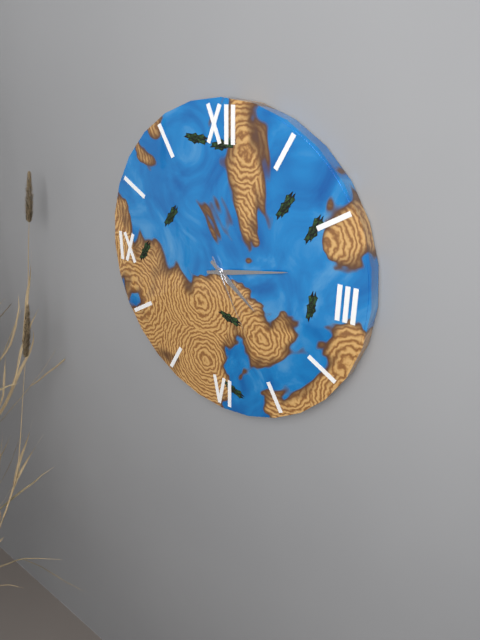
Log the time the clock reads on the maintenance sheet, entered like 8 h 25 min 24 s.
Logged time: 4 h 13 min 25 s
